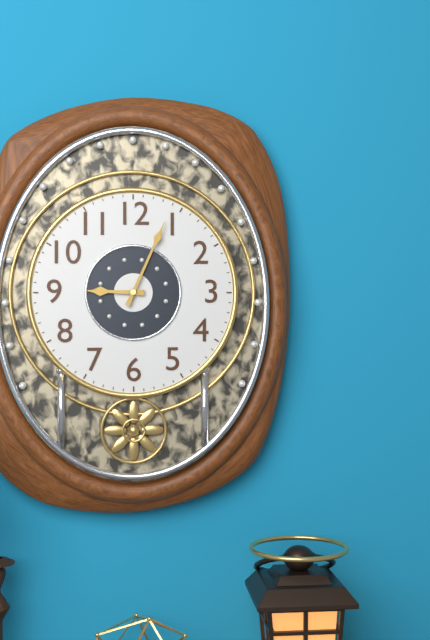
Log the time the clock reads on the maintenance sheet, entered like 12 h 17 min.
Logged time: 9 h 04 min
